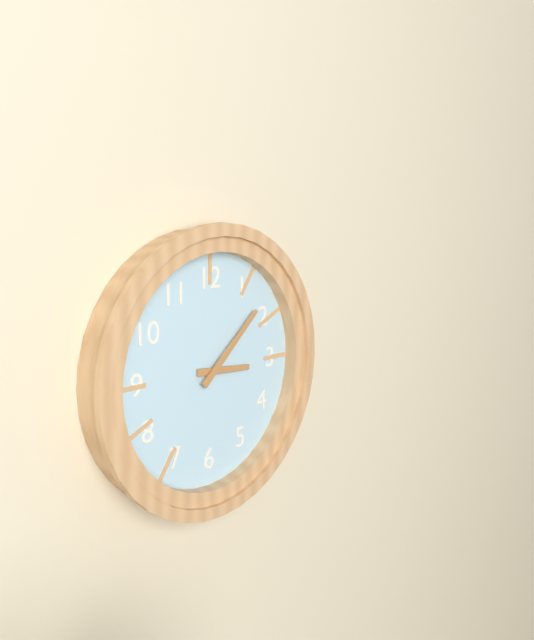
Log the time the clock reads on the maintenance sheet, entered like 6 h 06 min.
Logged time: 3 h 08 min
